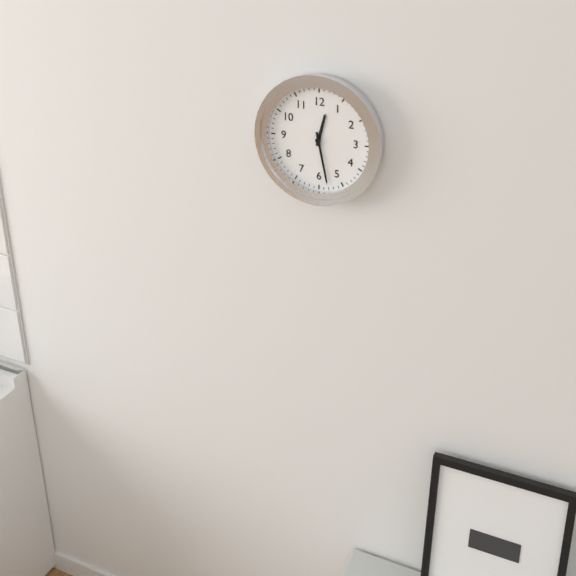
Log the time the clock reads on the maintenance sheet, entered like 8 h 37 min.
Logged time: 12 h 28 min
